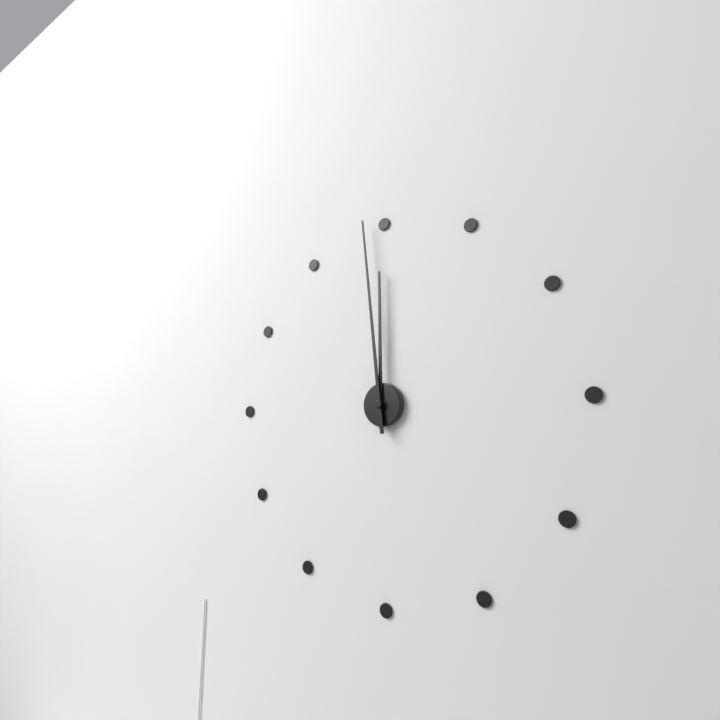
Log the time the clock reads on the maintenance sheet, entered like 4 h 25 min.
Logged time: 11 h 59 min
